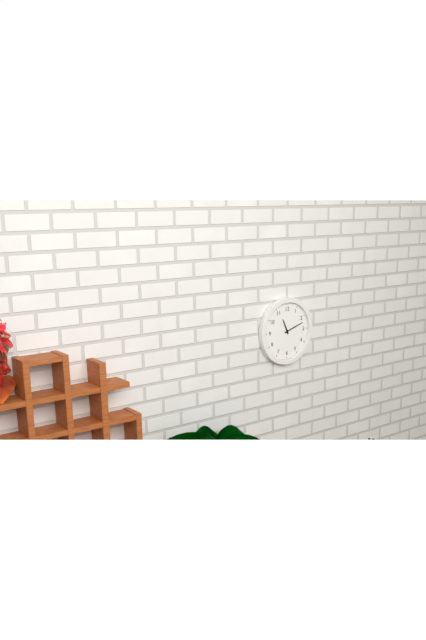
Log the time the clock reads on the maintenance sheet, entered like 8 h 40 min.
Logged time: 11 h 12 min
